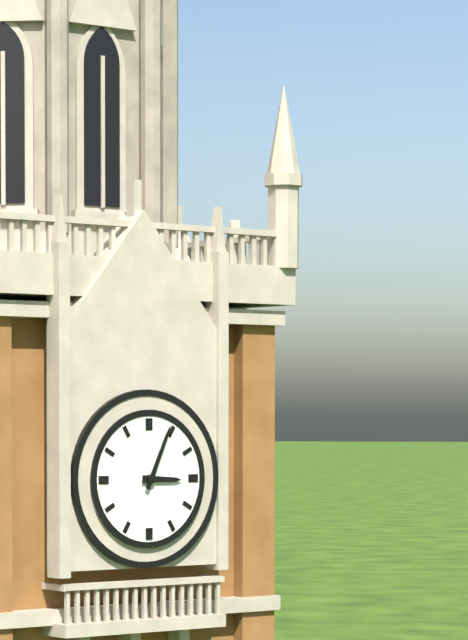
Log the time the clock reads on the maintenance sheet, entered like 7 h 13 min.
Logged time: 3 h 04 min
